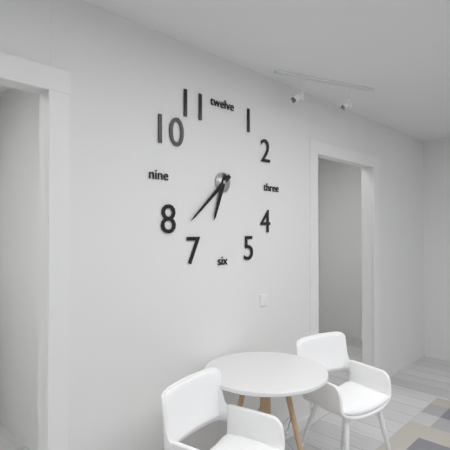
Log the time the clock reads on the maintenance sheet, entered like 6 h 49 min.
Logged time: 6 h 38 min
